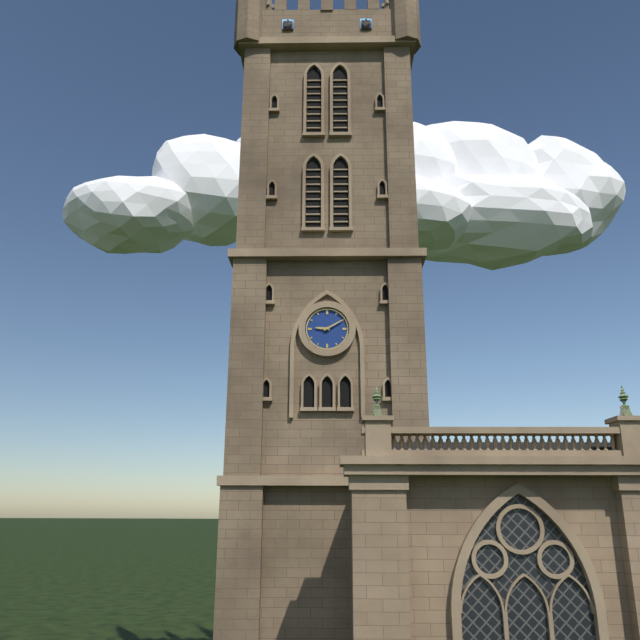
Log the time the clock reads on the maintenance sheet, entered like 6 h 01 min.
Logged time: 9 h 10 min
